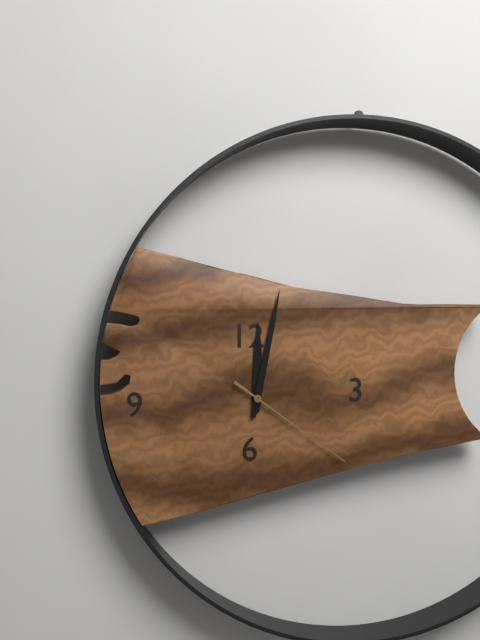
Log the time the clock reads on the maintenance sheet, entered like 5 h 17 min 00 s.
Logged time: 12 h 02 min 21 s
